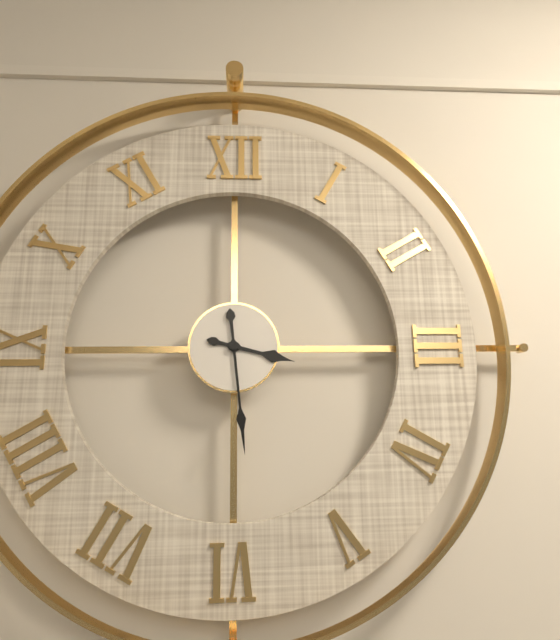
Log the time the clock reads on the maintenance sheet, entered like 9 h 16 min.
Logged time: 3 h 29 min
